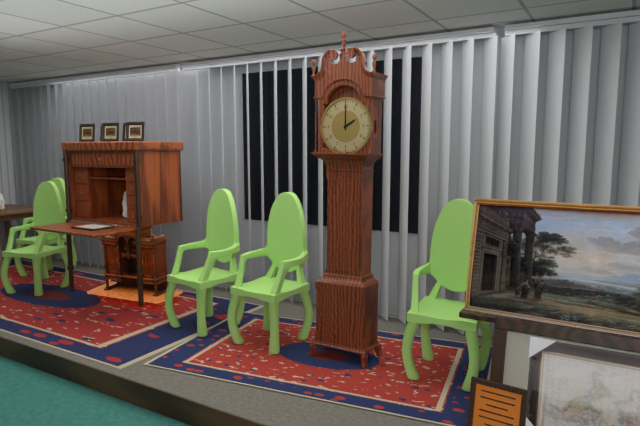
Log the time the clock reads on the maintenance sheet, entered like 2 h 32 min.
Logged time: 2 h 00 min
